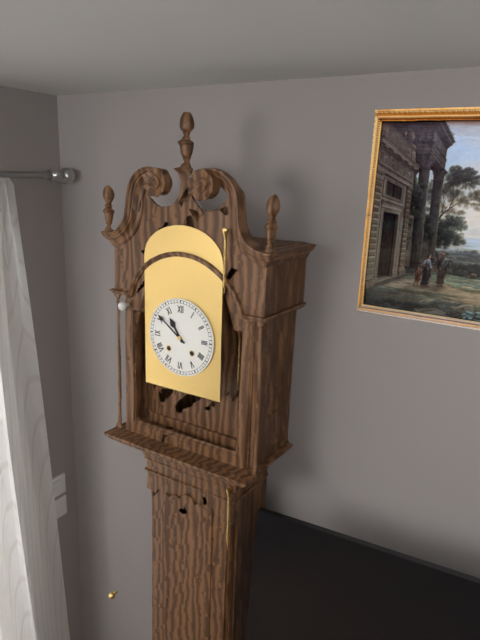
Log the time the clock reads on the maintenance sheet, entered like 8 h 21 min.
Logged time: 10 h 51 min
